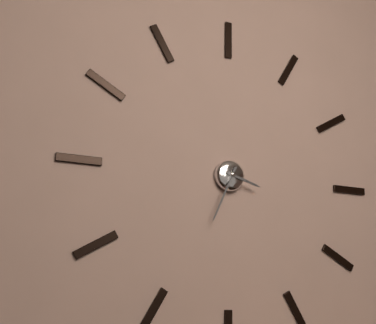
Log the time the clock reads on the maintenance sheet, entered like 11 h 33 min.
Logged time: 3 h 34 min
